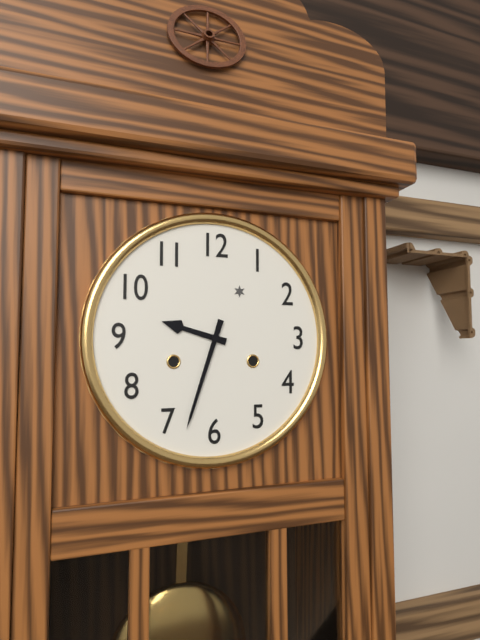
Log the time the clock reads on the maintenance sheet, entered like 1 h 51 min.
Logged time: 9 h 33 min
